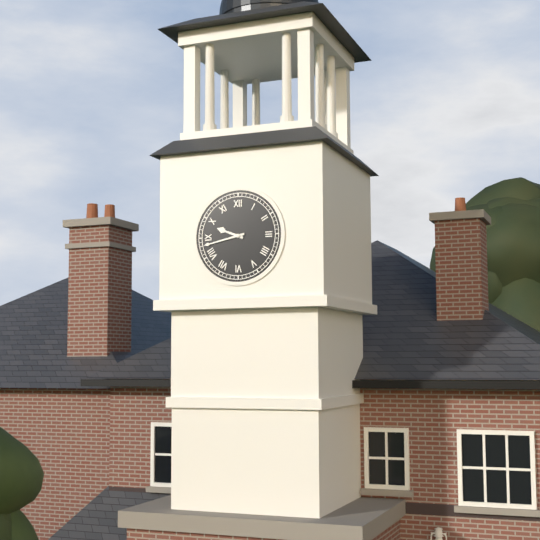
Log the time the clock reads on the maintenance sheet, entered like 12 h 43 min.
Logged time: 9 h 43 min
